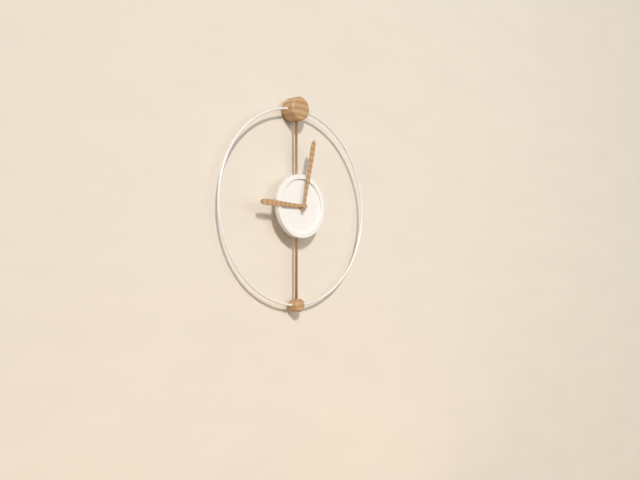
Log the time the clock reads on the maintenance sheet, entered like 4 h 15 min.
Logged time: 9 h 02 min
